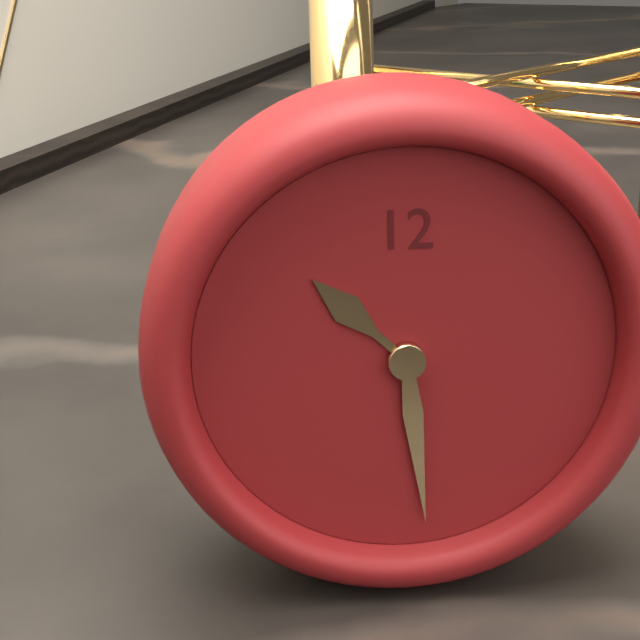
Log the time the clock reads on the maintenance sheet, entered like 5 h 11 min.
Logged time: 10 h 29 min
